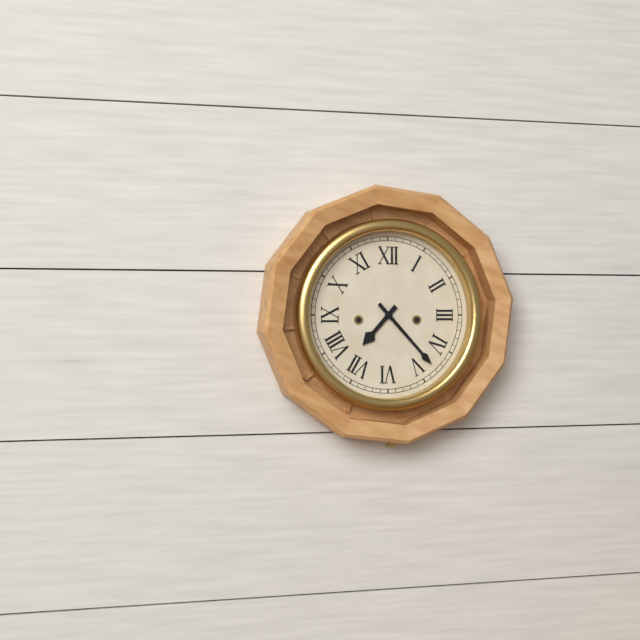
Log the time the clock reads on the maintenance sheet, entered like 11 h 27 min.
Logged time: 7 h 23 min
